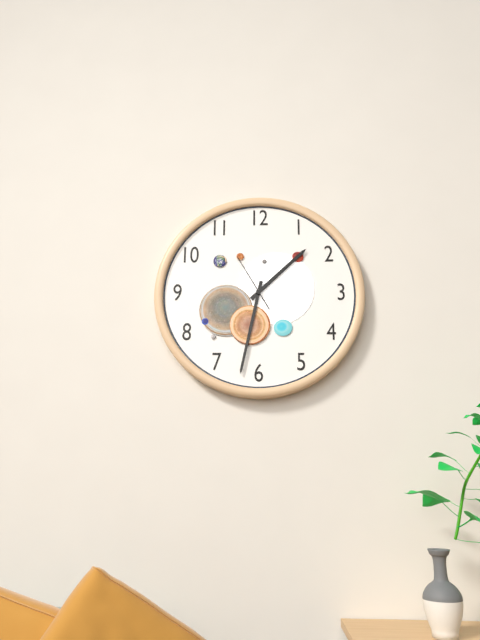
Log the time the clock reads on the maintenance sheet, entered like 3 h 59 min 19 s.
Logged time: 1 h 32 min 55 s
